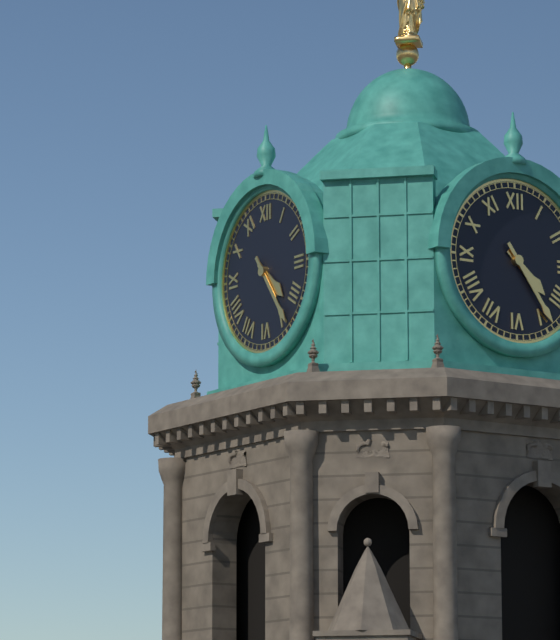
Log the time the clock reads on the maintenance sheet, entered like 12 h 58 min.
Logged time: 4 h 24 min
